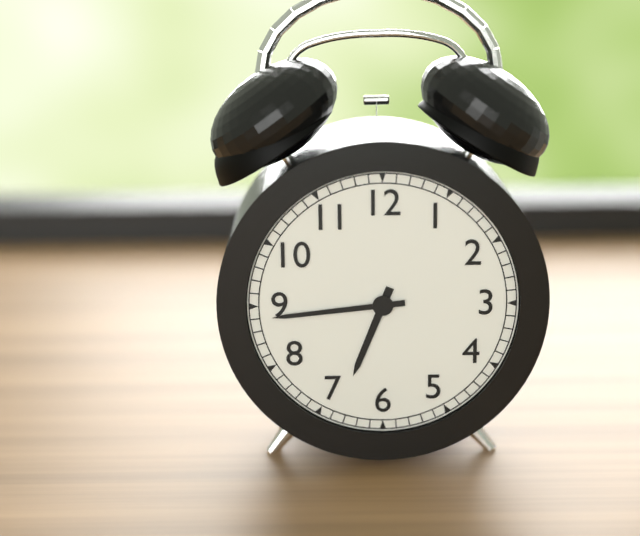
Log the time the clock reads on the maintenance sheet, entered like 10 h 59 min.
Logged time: 6 h 44 min
